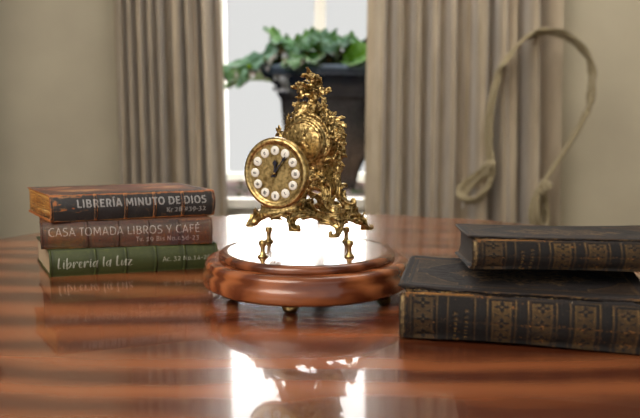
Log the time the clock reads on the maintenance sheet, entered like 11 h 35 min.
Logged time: 12 h 06 min
